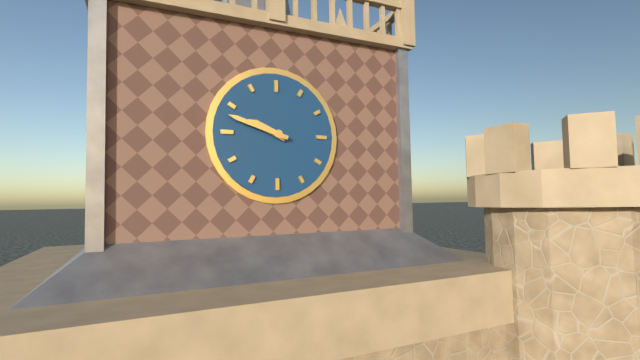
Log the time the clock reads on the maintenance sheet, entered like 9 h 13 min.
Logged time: 9 h 48 min
